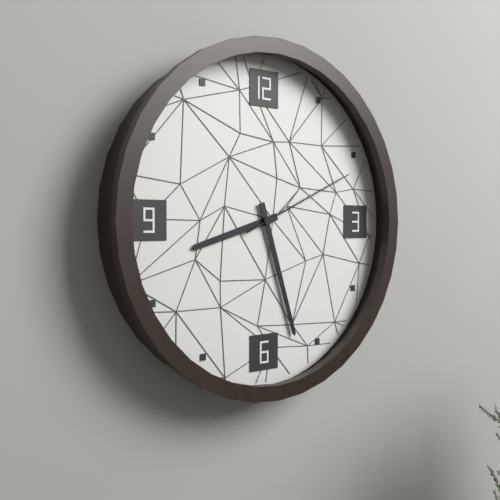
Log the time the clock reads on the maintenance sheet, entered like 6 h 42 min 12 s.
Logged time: 8 h 27 min 11 s
